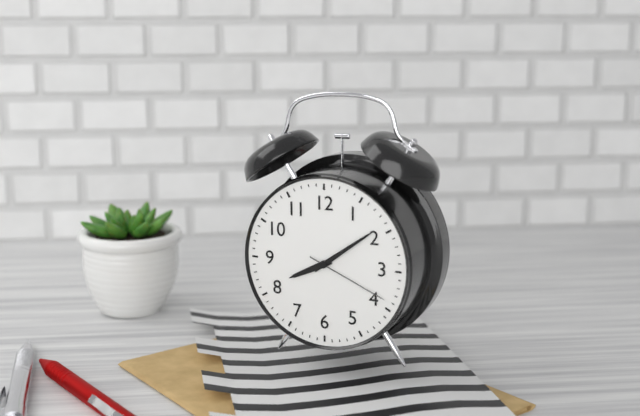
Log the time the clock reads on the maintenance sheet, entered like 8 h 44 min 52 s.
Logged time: 8 h 09 min 19 s
